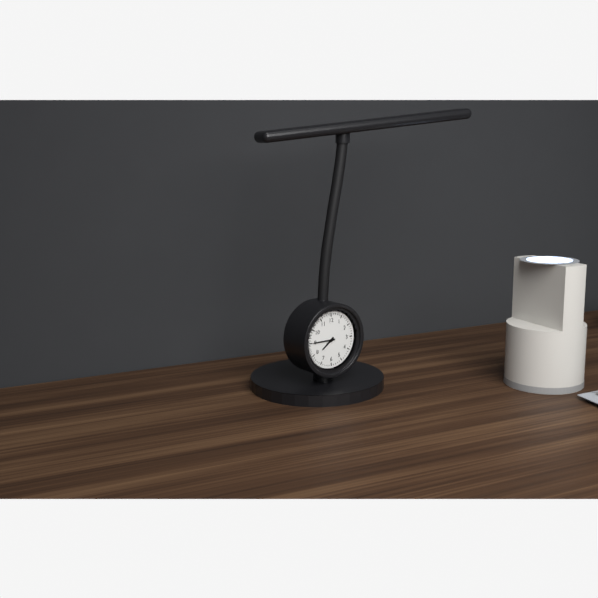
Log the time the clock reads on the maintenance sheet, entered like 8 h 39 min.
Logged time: 7 h 45 min
